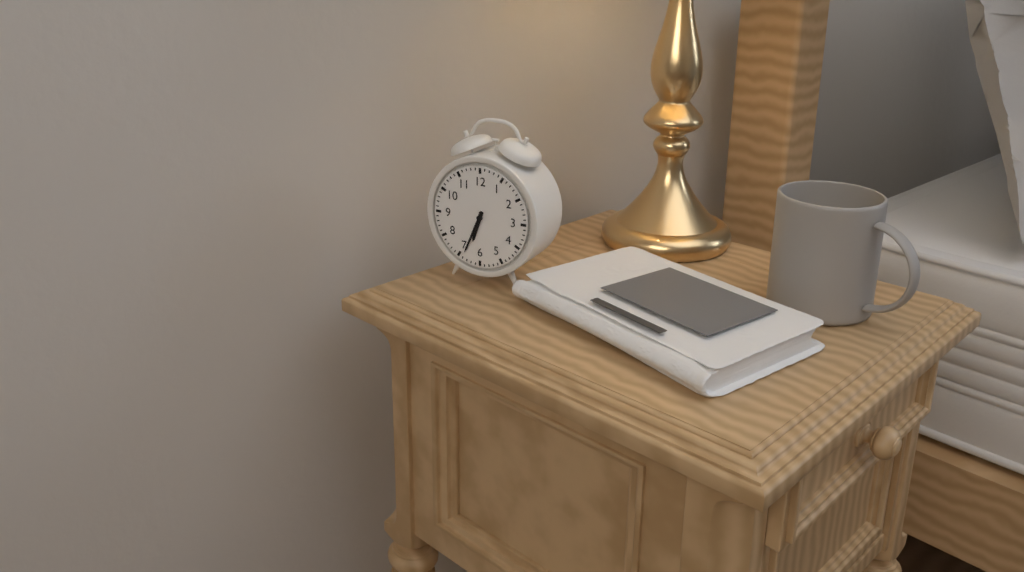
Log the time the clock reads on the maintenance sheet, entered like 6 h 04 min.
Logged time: 6 h 34 min
